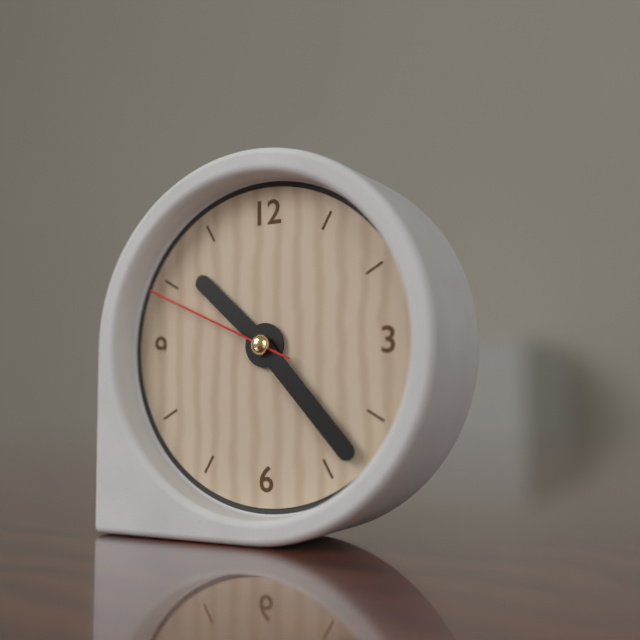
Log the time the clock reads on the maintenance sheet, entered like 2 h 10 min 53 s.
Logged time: 10 h 23 min 49 s
